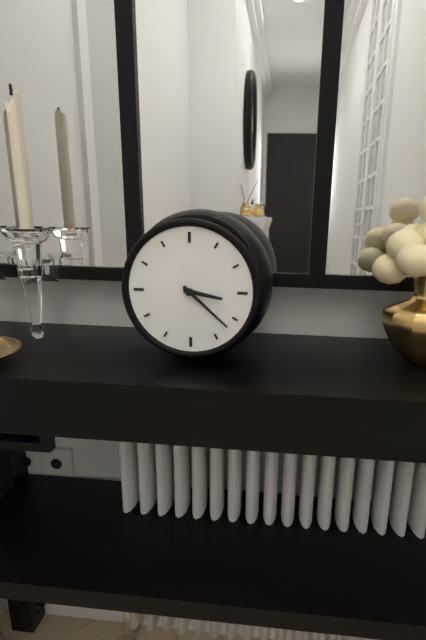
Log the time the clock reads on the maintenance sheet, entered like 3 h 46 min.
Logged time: 3 h 22 min
